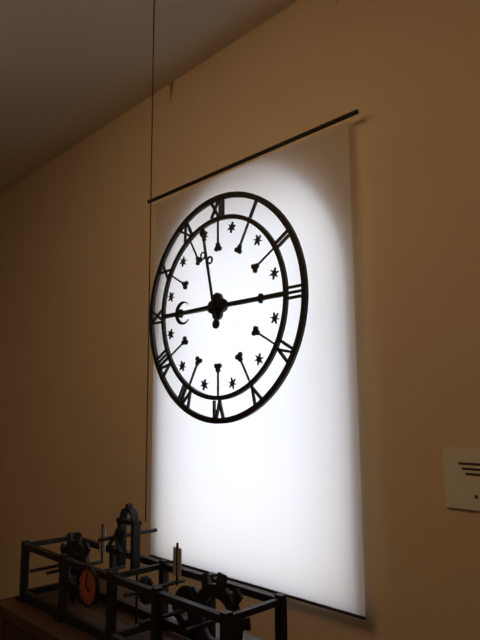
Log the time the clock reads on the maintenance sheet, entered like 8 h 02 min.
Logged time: 8 h 58 min
